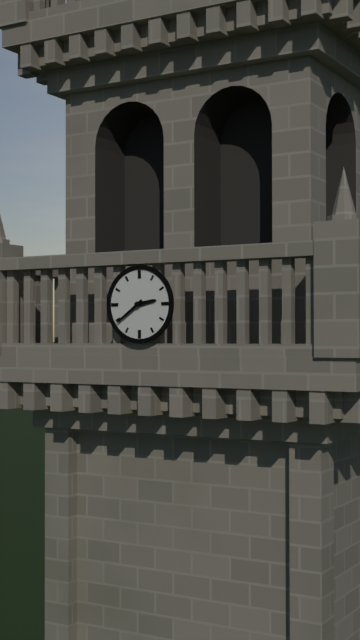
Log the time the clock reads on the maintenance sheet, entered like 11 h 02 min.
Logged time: 2 h 39 min
